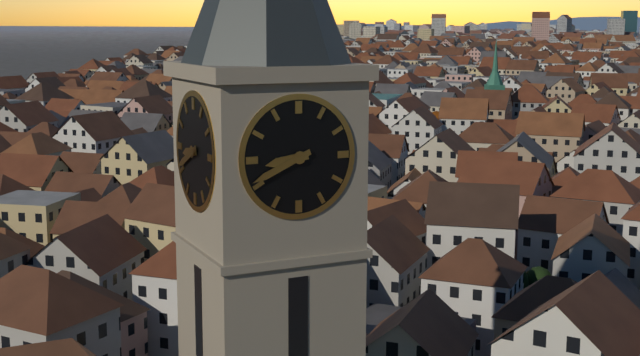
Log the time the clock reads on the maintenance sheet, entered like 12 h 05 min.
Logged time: 8 h 41 min
